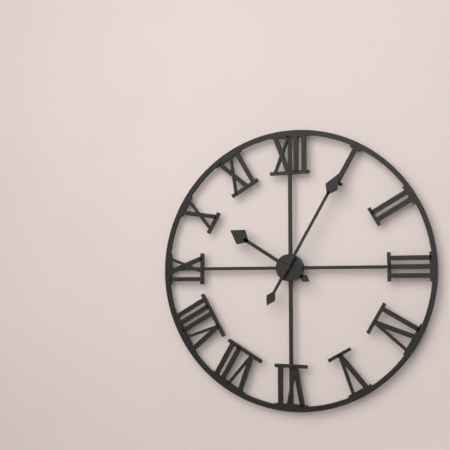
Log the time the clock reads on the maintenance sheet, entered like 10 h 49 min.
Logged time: 10 h 05 min
